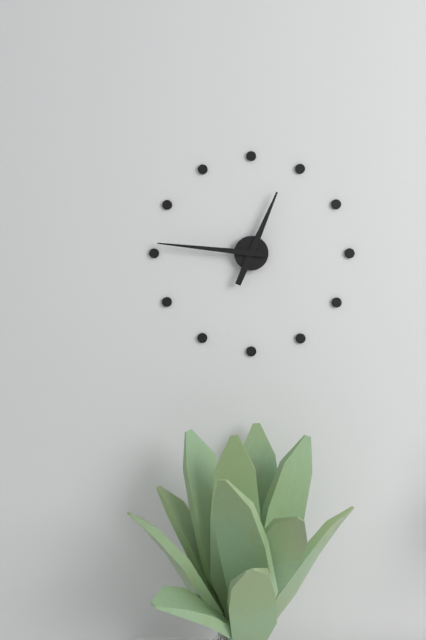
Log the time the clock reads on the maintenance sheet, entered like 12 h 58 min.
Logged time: 12 h 46 min
